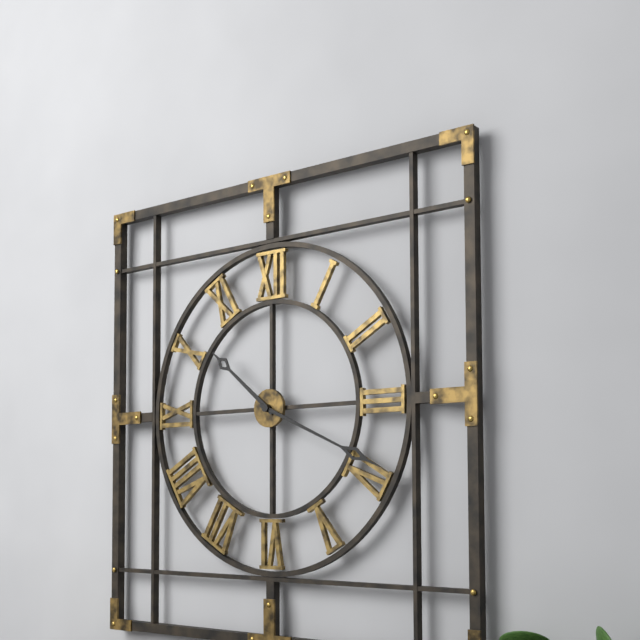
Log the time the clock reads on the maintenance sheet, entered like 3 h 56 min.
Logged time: 10 h 19 min
